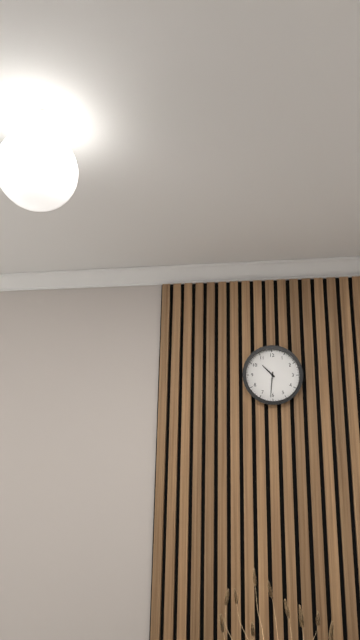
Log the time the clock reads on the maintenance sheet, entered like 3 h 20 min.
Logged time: 10 h 31 min
